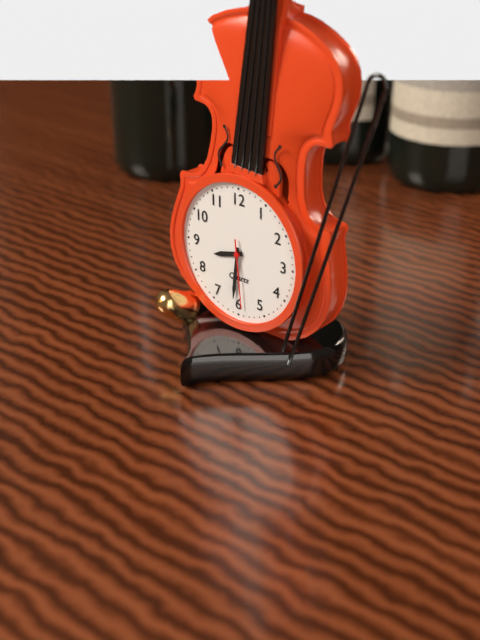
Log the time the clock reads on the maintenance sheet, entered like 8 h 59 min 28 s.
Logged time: 8 h 31 min 29 s
